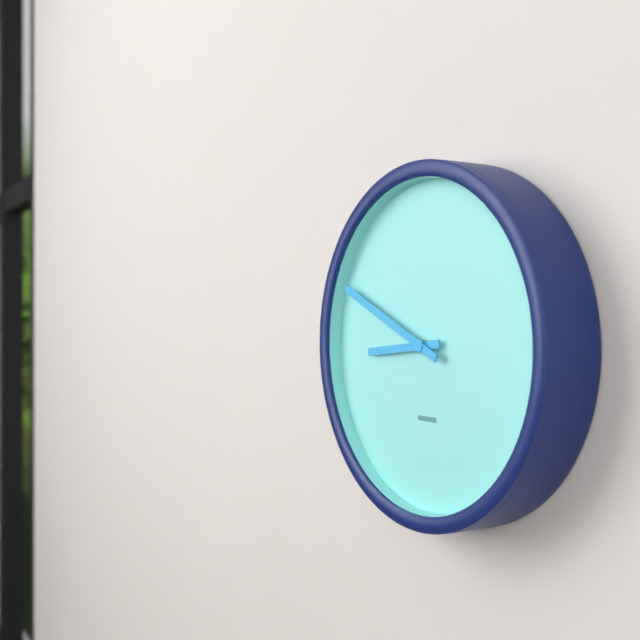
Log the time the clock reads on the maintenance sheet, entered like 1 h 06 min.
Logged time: 8 h 49 min
